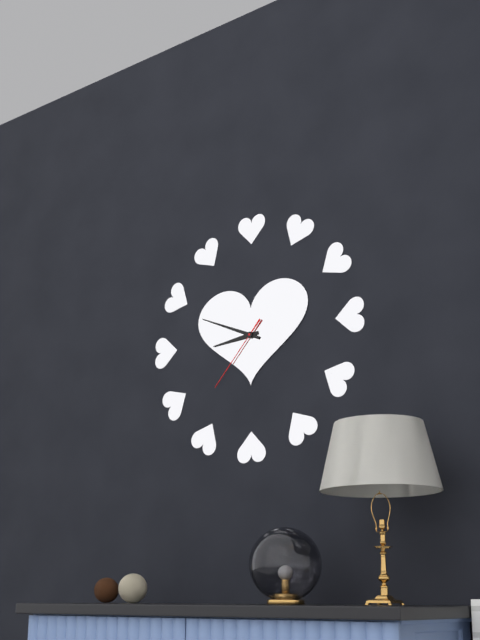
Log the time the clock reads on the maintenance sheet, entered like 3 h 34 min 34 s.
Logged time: 8 h 49 min 37 s
